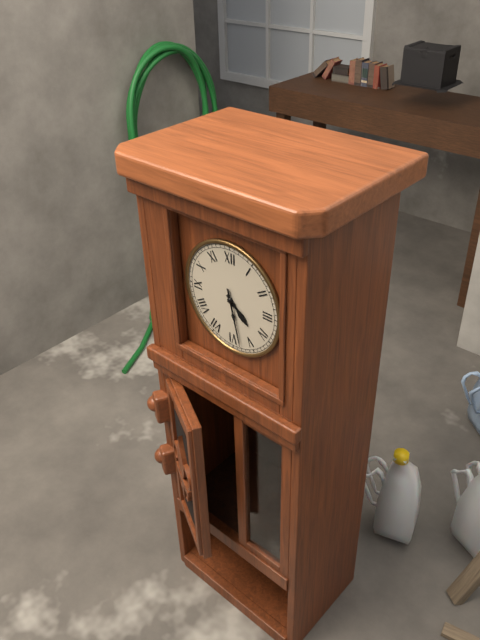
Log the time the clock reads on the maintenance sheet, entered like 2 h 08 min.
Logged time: 4 h 28 min
